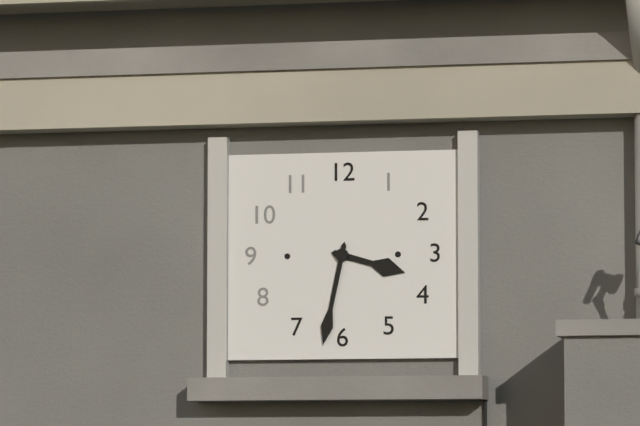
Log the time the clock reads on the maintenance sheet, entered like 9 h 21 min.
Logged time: 3 h 32 min
